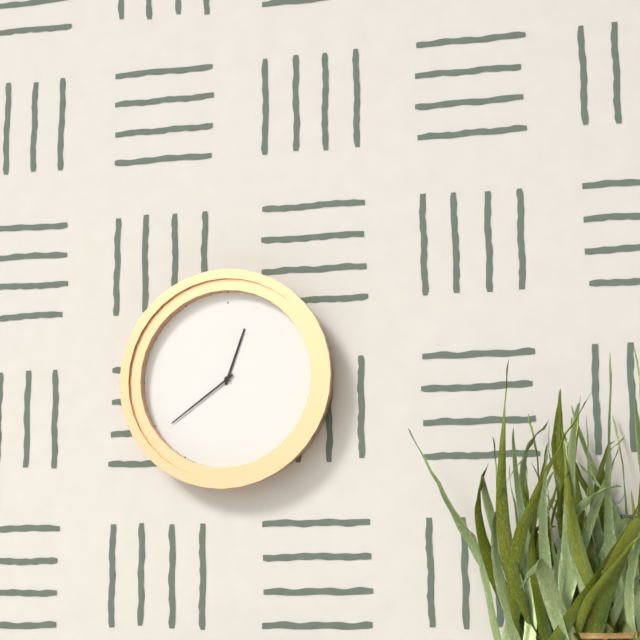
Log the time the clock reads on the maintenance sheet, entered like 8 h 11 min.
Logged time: 12 h 39 min
